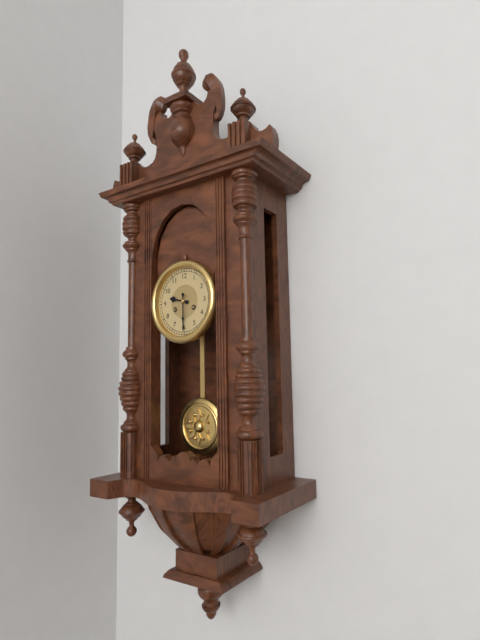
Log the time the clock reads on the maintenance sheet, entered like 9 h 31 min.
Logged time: 9 h 30 min
